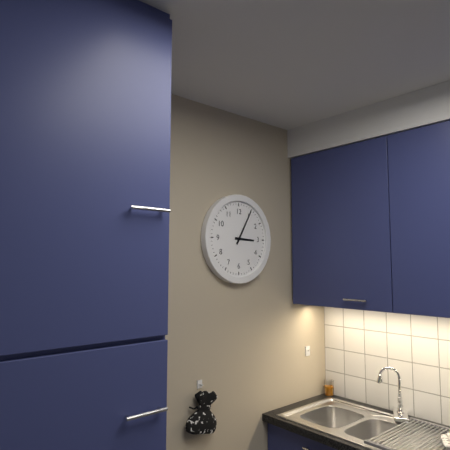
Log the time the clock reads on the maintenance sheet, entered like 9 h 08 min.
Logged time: 3 h 05 min
